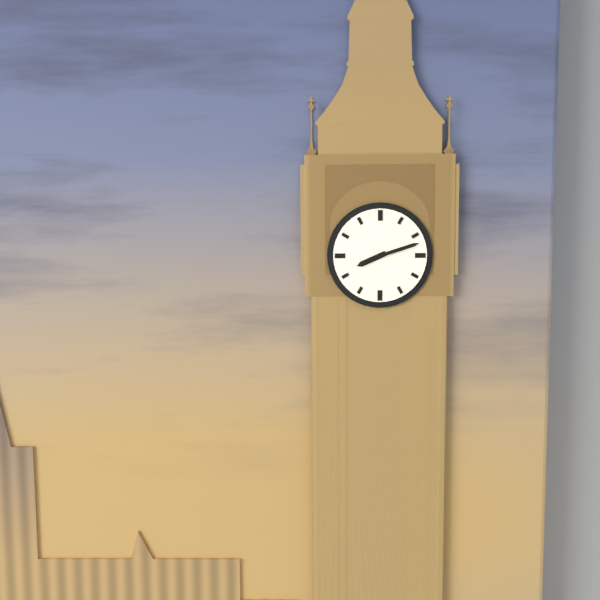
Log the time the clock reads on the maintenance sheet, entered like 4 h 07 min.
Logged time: 8 h 12 min
